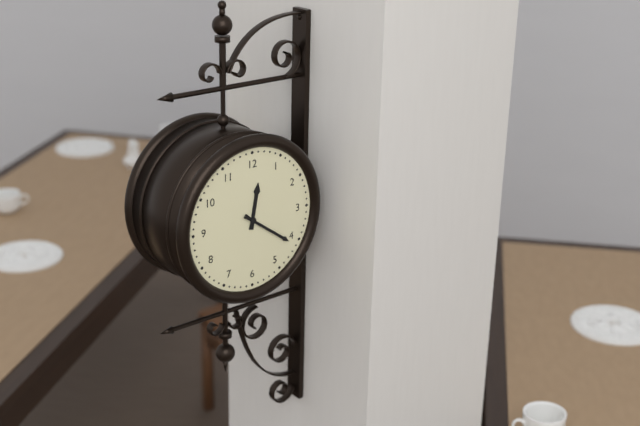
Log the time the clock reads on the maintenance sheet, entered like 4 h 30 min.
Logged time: 12 h 21 min
